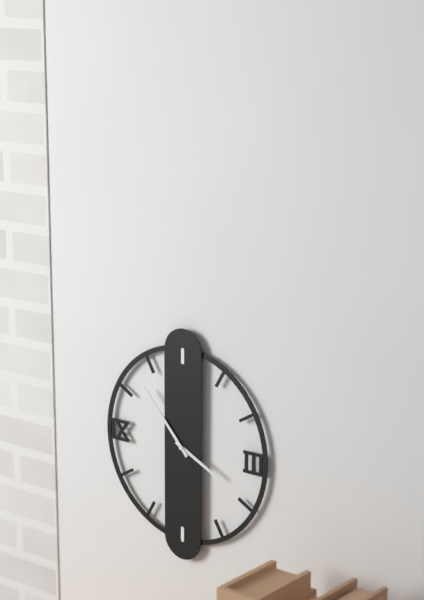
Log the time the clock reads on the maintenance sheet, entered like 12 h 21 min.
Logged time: 3 h 53 min
